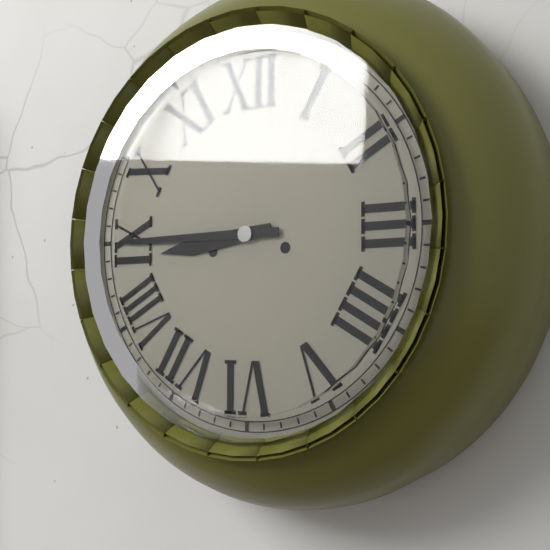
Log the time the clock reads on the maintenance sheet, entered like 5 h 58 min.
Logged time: 8 h 45 min
